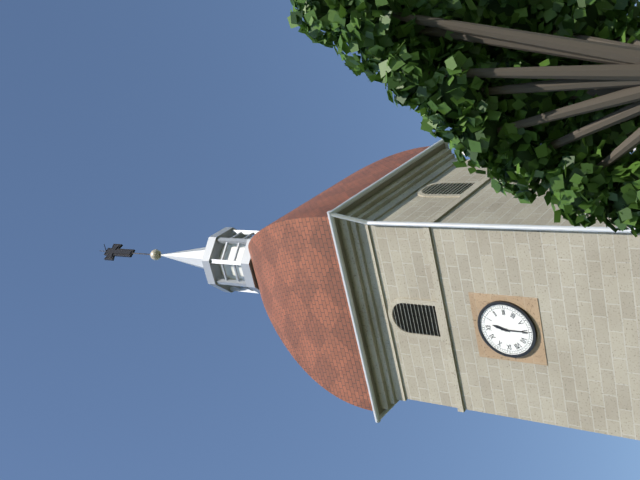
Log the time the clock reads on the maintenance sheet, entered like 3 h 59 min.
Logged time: 12 h 30 min
